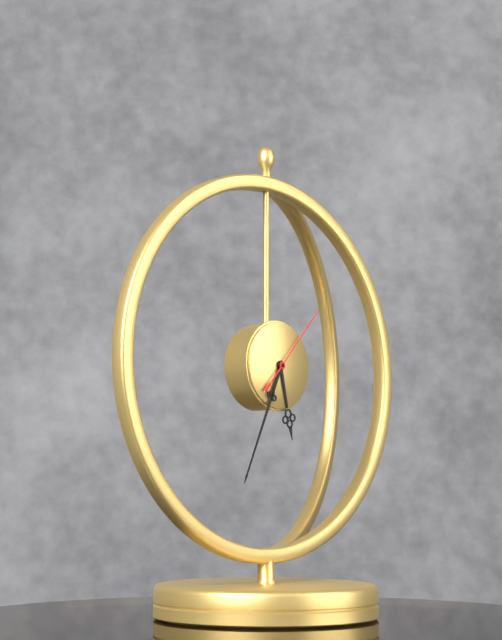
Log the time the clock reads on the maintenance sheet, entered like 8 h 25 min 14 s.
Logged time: 5 h 34 min 07 s
